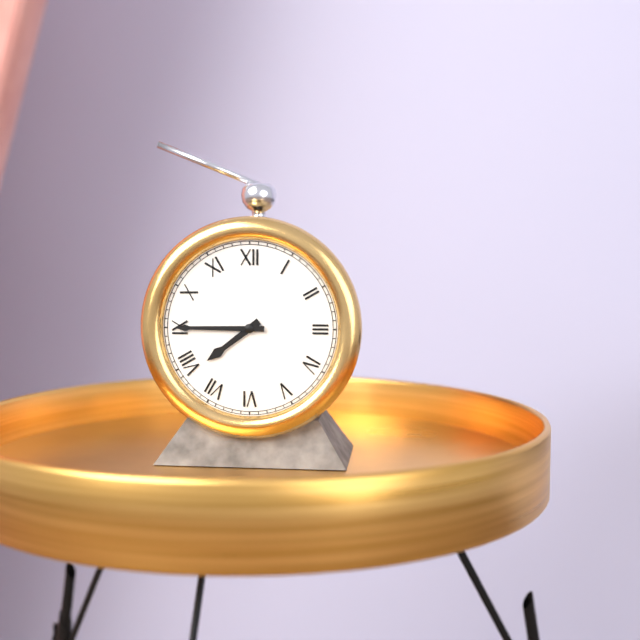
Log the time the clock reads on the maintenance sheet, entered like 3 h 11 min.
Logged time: 7 h 45 min
